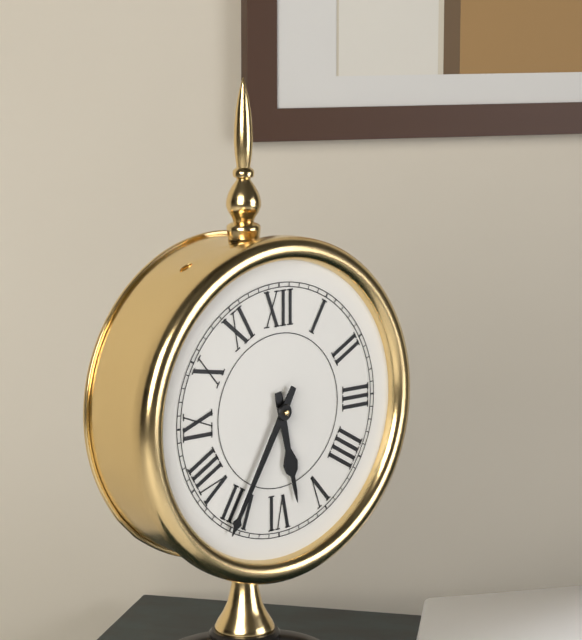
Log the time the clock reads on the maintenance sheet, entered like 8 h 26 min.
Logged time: 5 h 35 min
